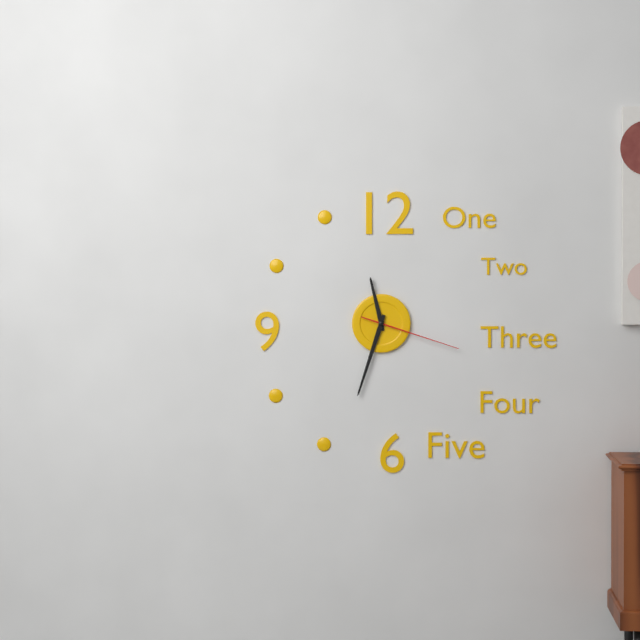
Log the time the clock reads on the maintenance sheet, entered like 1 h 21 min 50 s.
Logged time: 11 h 33 min 18 s
